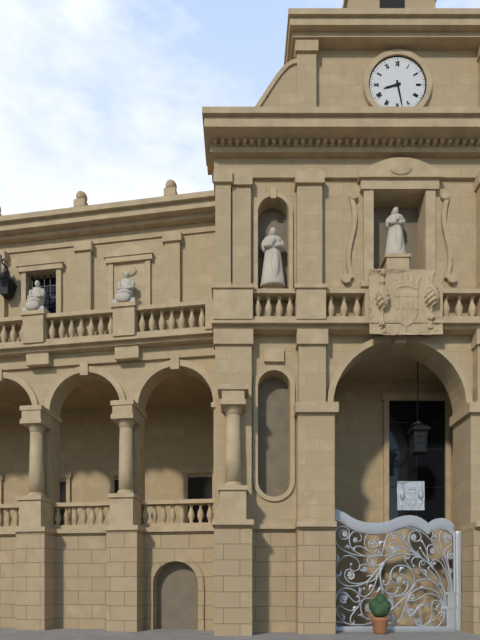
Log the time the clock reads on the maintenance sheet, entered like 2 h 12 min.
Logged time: 8 h 28 min
